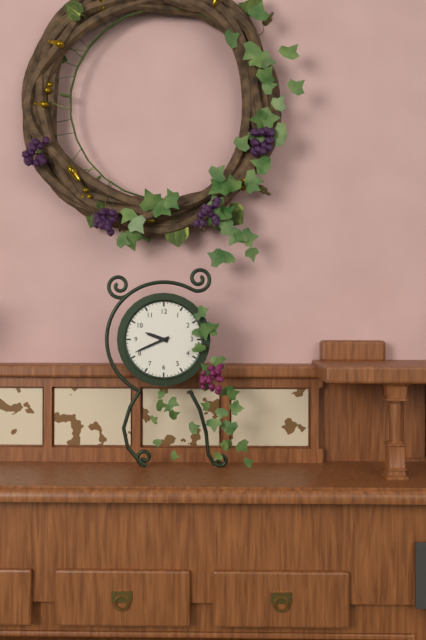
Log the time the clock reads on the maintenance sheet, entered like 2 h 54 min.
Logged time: 9 h 41 min
